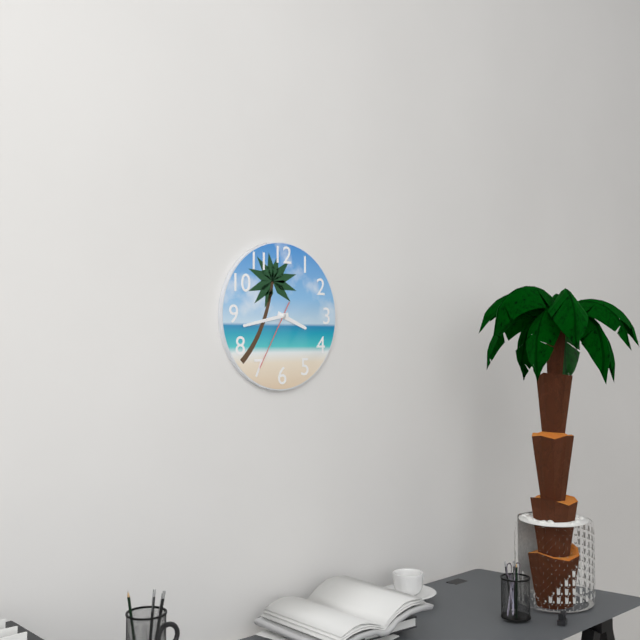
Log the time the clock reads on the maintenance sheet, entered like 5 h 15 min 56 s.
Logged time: 3 h 43 min 35 s
